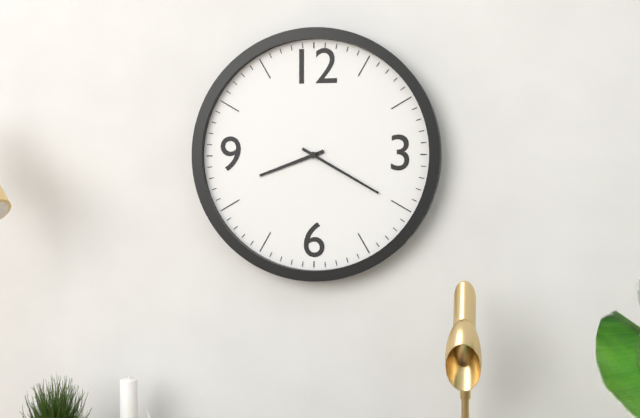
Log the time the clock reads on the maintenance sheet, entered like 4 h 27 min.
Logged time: 8 h 20 min
